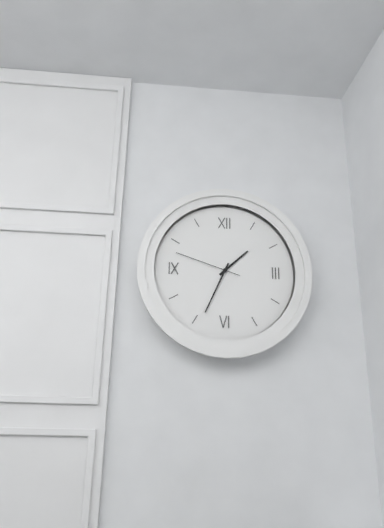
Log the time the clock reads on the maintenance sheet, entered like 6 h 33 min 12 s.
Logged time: 1 h 34 min 48 s
